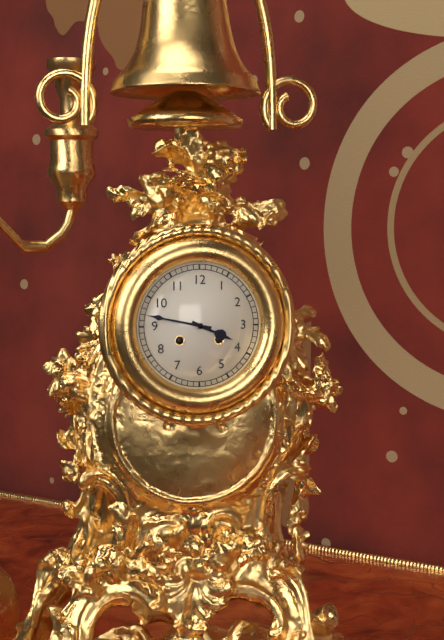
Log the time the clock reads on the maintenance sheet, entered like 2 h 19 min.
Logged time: 3 h 47 min
